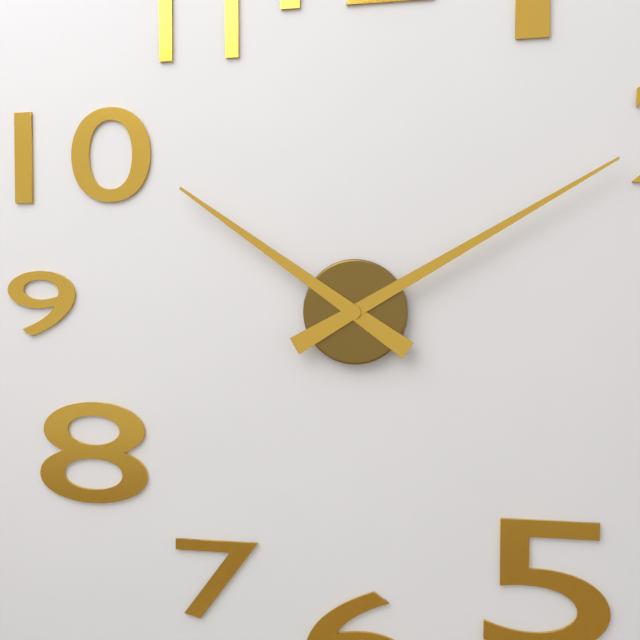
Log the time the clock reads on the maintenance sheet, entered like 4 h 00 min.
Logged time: 10 h 10 min
